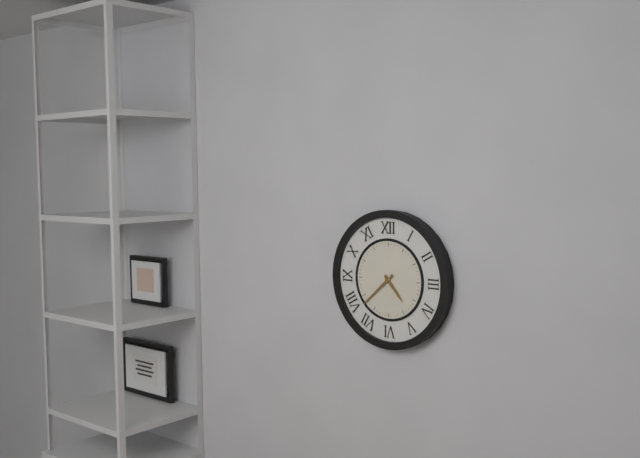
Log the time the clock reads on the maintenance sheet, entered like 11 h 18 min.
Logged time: 4 h 38 min
